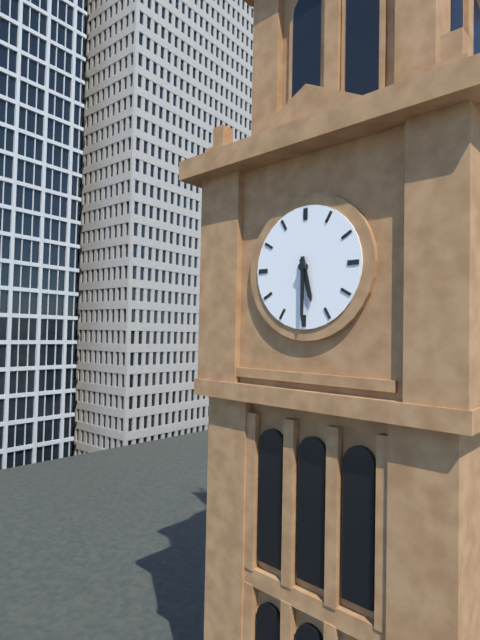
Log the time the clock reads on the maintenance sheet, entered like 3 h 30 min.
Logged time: 5 h 30 min
